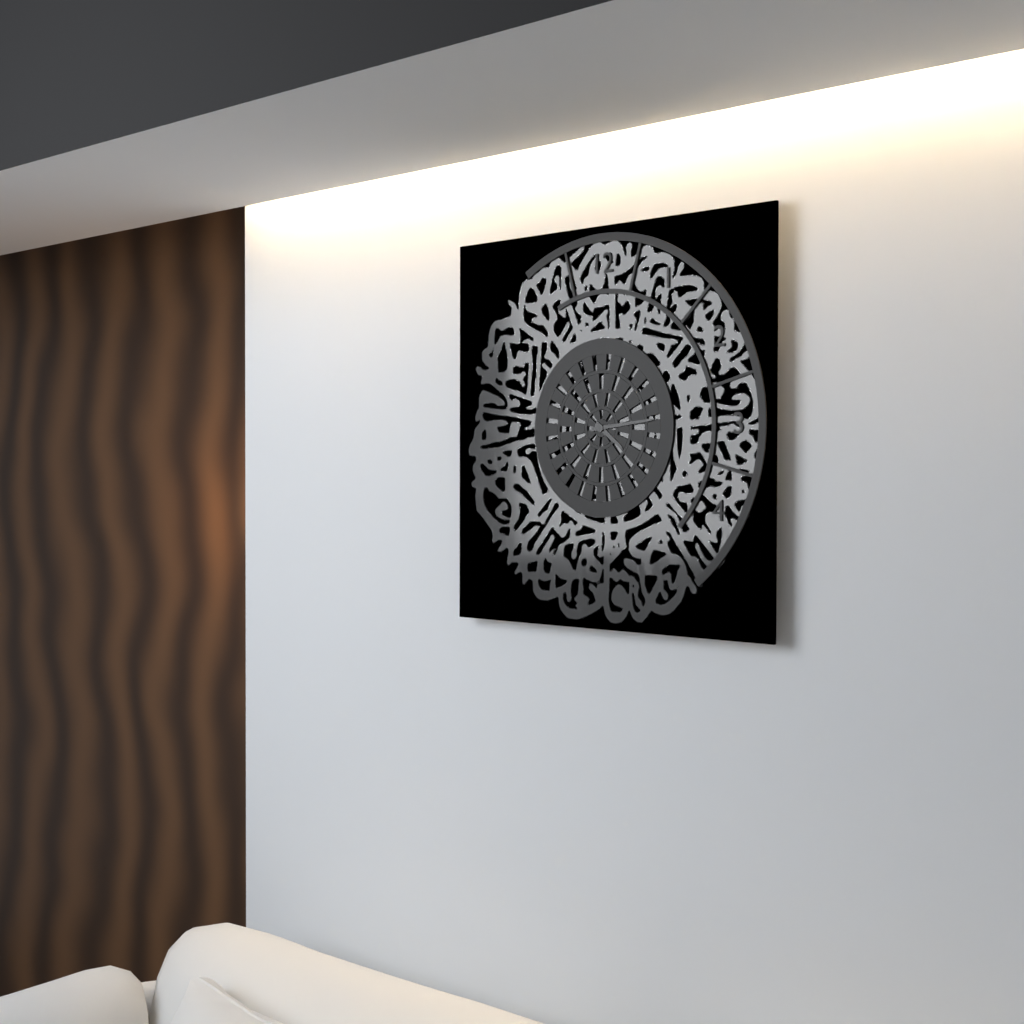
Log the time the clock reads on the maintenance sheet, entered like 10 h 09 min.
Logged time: 4 h 14 min
